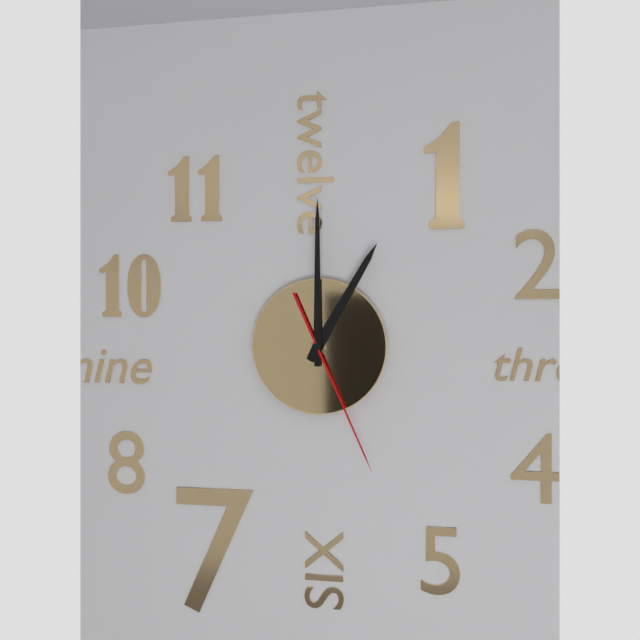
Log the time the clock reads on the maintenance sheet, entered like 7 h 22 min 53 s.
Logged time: 1 h 00 min 26 s
